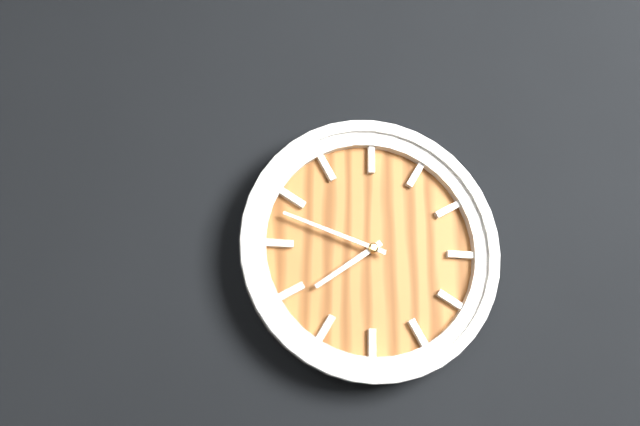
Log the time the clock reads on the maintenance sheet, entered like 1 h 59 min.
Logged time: 7 h 48 min
